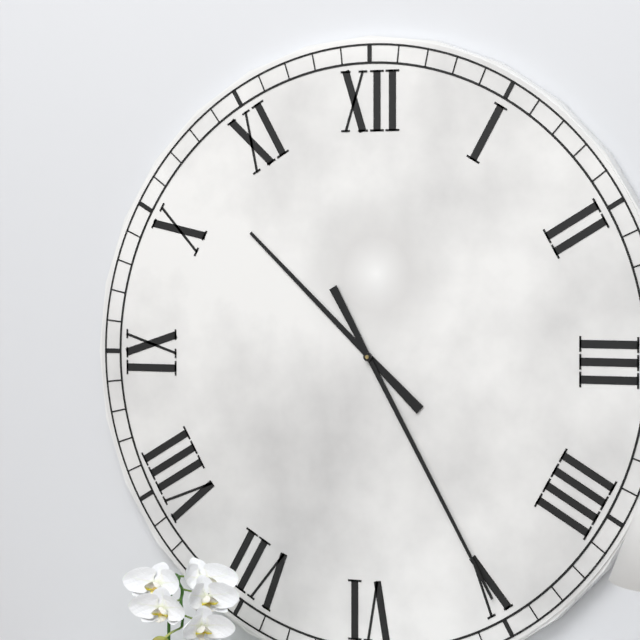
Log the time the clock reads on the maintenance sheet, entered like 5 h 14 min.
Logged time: 10 h 25 min
